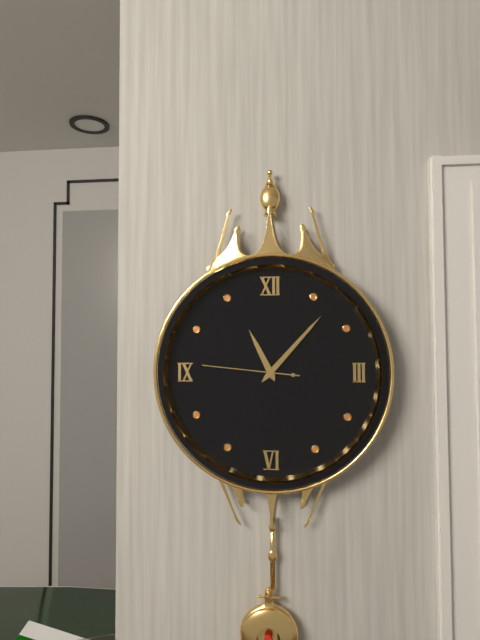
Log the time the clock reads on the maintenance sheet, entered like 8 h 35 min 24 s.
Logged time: 11 h 07 min 46 s
